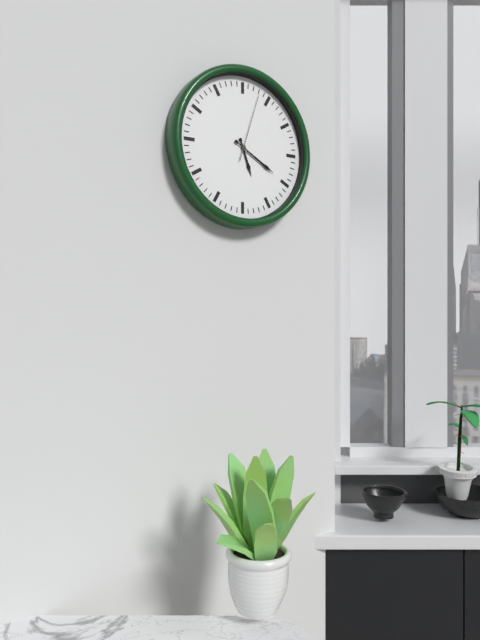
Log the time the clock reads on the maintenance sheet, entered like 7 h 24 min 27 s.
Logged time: 5 h 20 min 03 s
